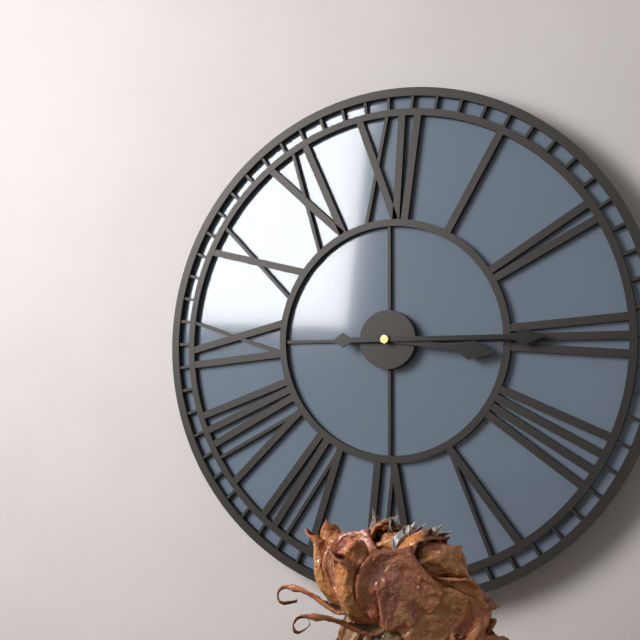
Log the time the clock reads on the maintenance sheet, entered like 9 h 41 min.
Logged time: 3 h 15 min
